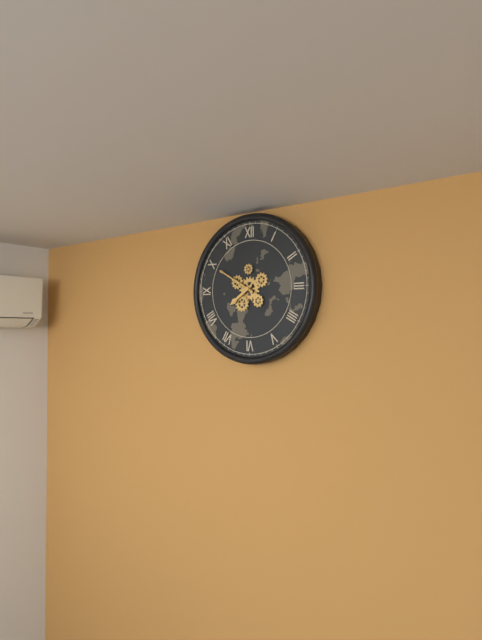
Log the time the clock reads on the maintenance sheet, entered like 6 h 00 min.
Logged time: 7 h 50 min
